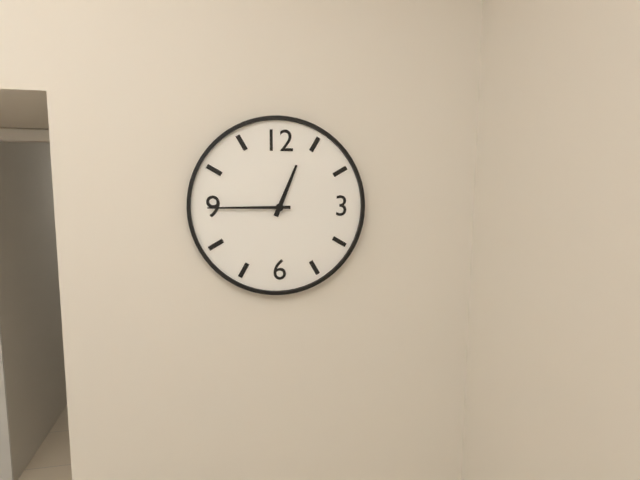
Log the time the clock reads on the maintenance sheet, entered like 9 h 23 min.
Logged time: 12 h 45 min
